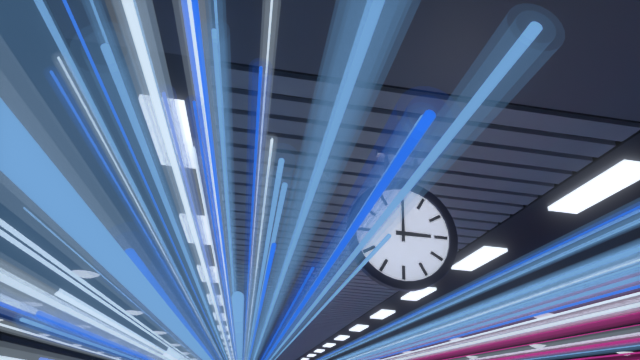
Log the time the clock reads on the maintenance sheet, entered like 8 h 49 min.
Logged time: 3 h 00 min
